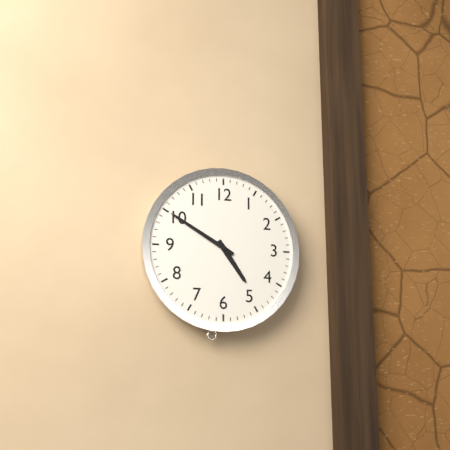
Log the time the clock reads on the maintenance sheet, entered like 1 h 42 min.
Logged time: 4 h 50 min
